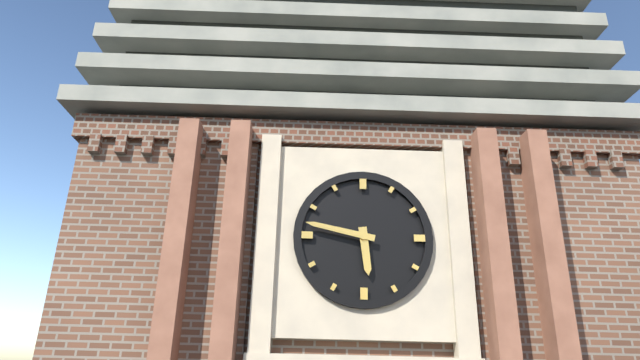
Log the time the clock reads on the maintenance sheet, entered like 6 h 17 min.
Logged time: 5 h 47 min
